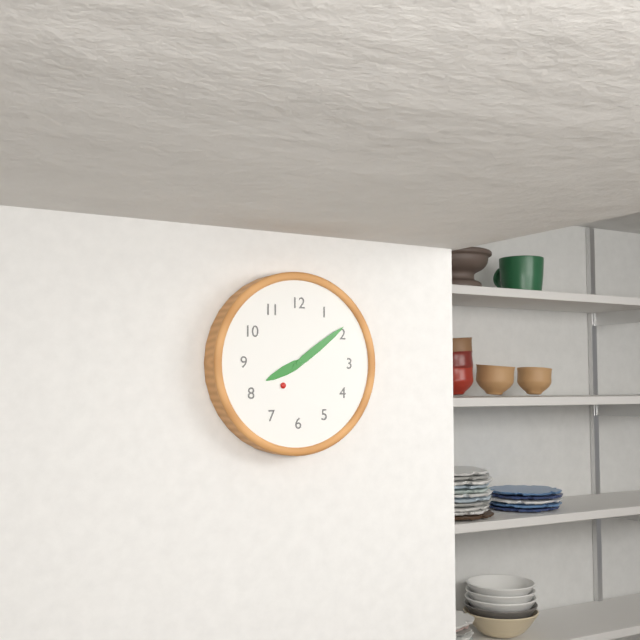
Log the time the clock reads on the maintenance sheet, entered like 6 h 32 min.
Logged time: 8 h 09 min
